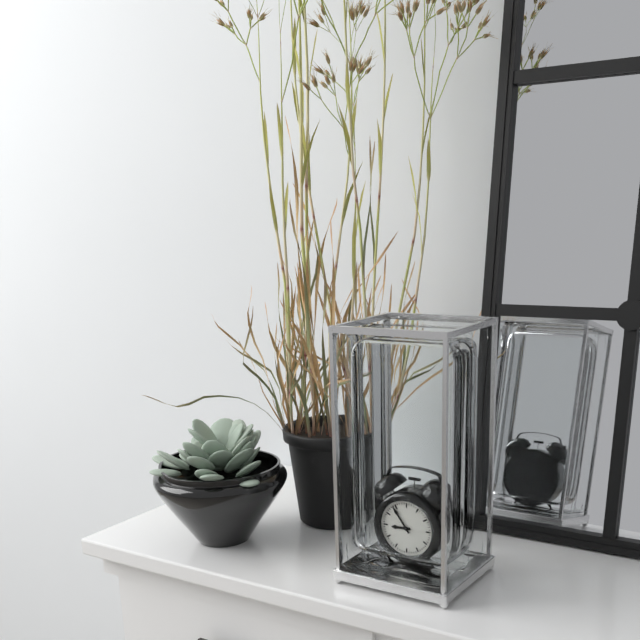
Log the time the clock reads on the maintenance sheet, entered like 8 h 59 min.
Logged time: 8 h 54 min
